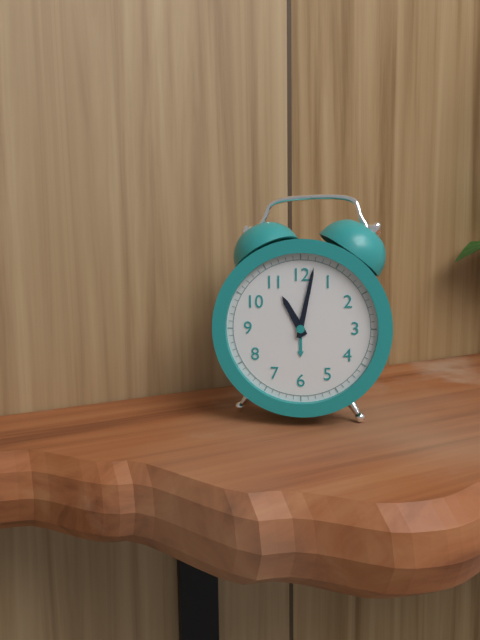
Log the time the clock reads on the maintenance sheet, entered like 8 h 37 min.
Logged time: 11 h 02 min
